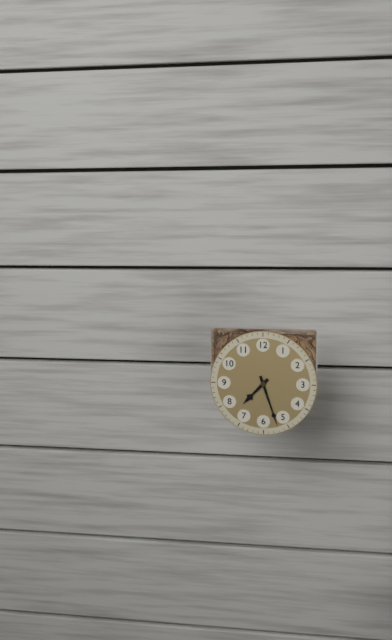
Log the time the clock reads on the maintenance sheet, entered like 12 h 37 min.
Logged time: 7 h 27 min
